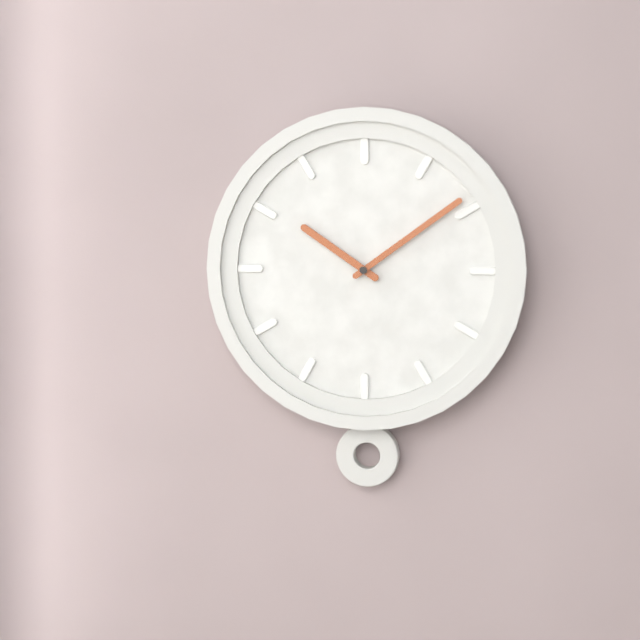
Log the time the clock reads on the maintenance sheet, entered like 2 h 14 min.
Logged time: 10 h 09 min
